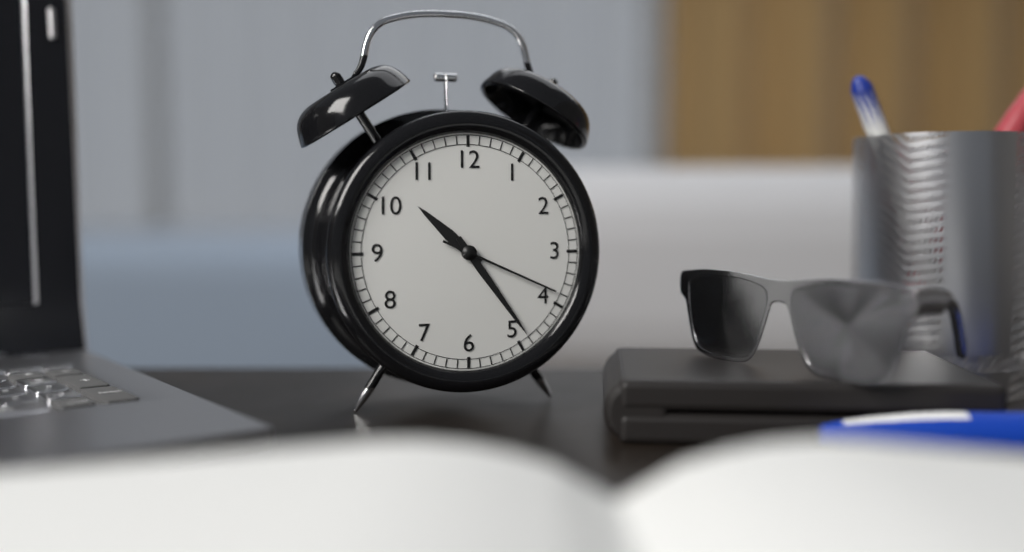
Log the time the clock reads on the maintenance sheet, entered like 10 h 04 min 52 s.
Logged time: 10 h 24 min 19 s
